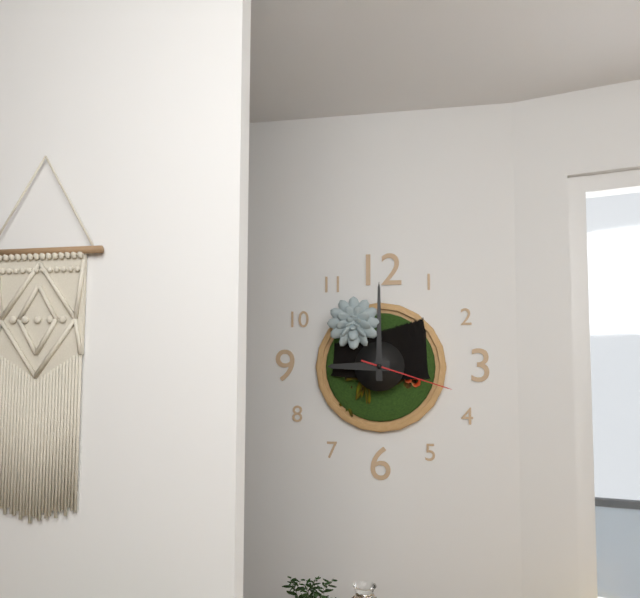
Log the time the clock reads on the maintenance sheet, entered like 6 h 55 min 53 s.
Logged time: 9 h 00 min 18 s
